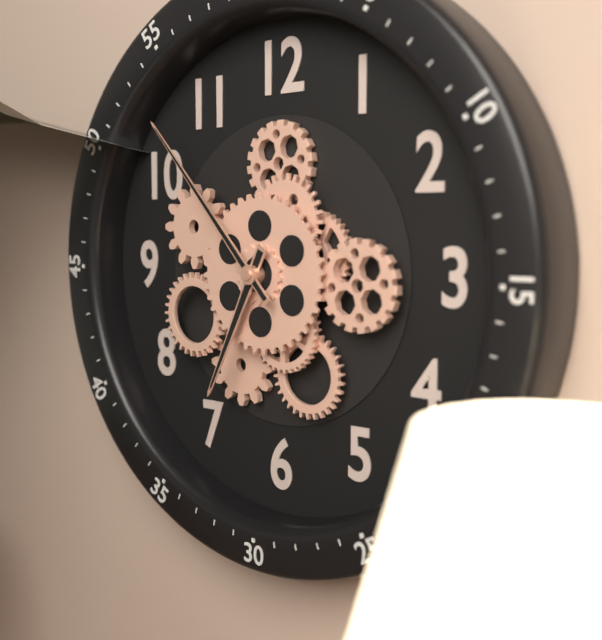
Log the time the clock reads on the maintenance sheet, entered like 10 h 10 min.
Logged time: 6 h 53 min
